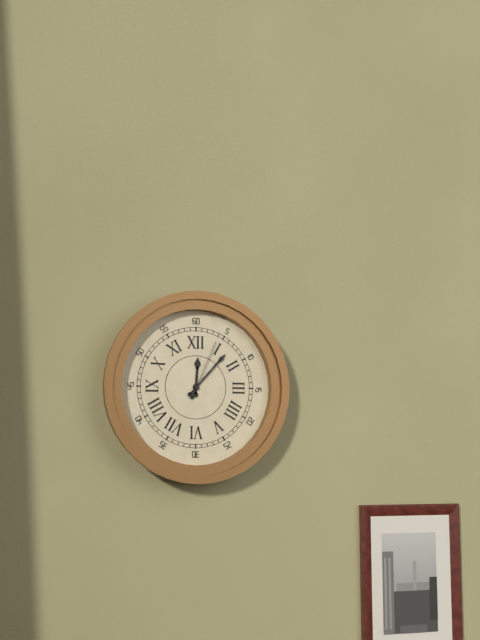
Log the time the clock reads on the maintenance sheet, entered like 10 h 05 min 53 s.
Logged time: 12 h 07 min 04 s
